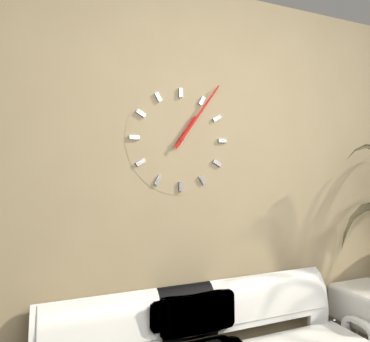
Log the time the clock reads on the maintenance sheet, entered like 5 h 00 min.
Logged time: 1 h 06 min
